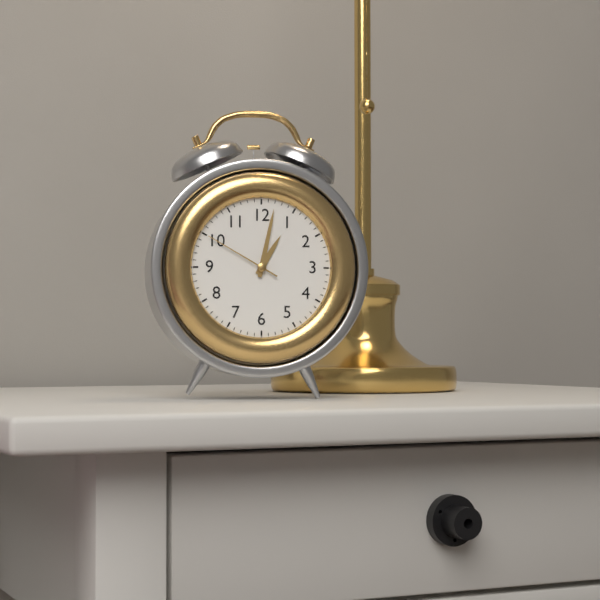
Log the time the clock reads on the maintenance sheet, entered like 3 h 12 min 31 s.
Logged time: 1 h 02 min 50 s
